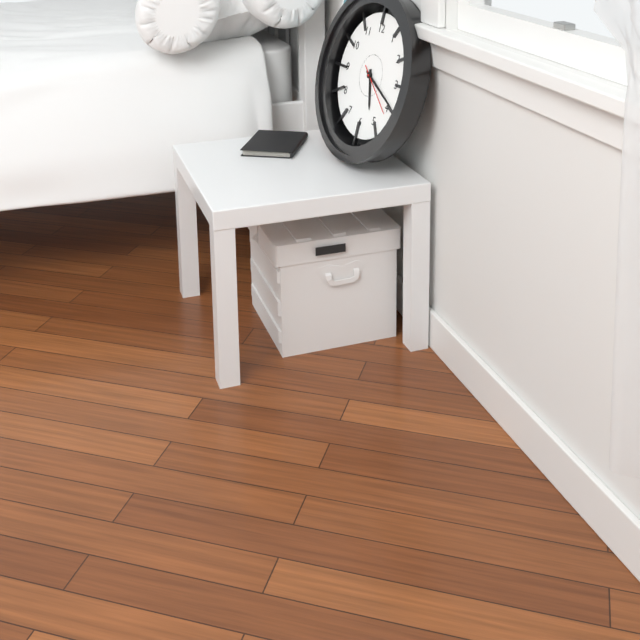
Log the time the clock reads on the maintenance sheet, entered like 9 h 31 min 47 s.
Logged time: 5 h 19 min 21 s
